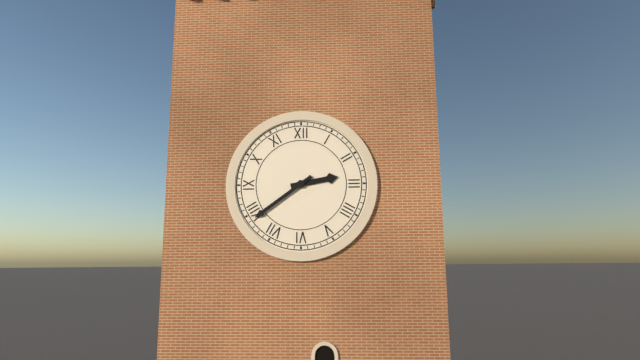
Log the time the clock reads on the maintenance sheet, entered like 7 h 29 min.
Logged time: 2 h 39 min
